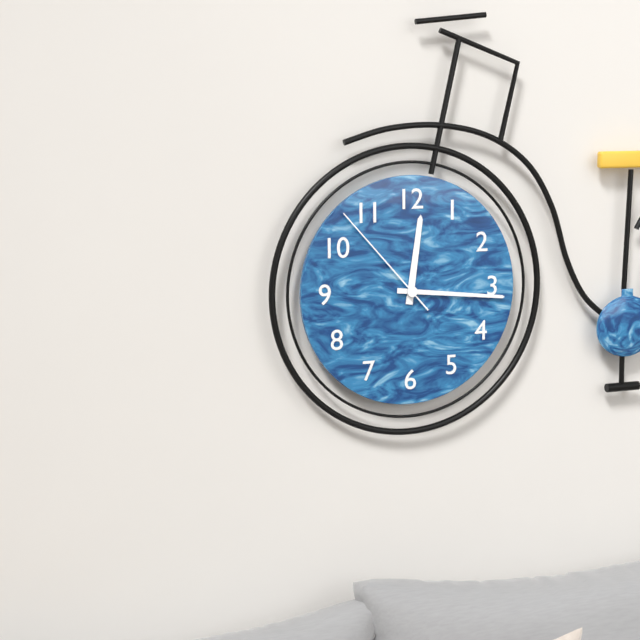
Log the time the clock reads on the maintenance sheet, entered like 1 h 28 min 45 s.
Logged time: 12 h 16 min 53 s
